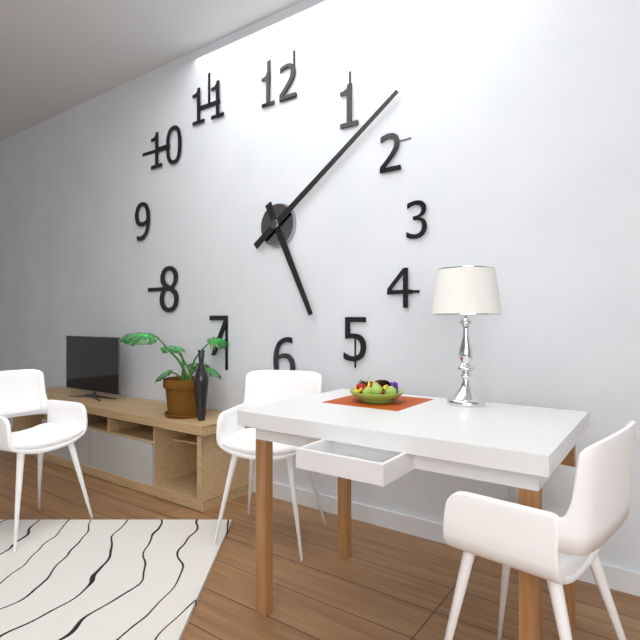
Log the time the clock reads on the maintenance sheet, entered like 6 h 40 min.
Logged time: 5 h 09 min
